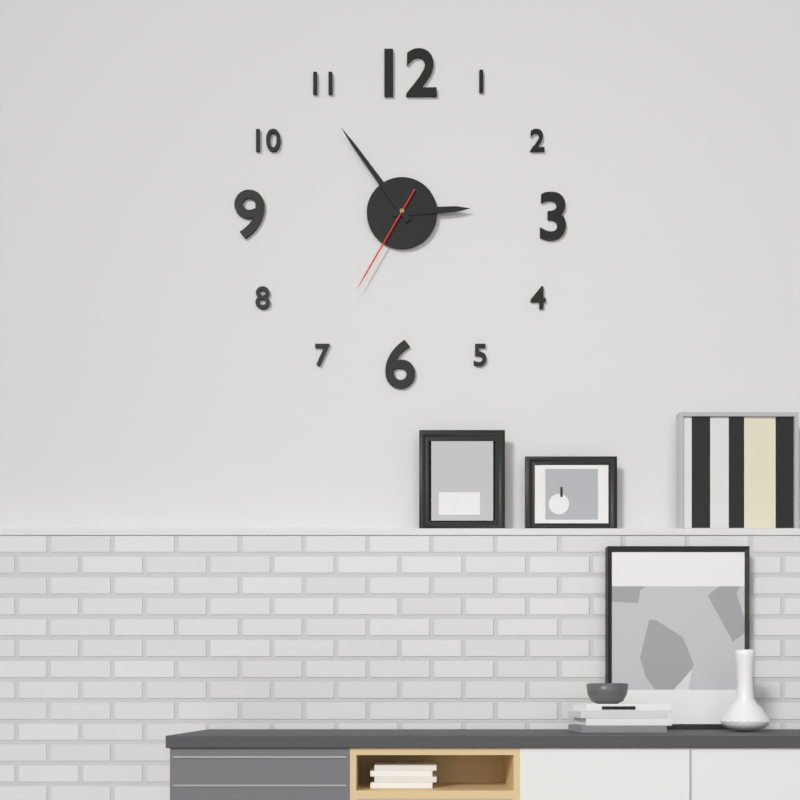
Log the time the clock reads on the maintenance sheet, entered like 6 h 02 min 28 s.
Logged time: 2 h 54 min 35 s
